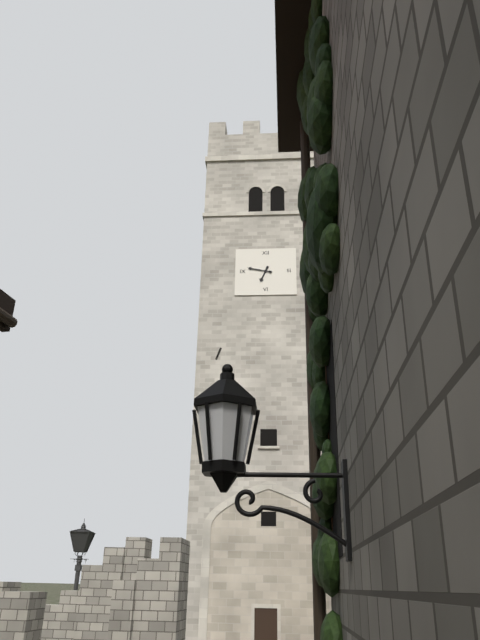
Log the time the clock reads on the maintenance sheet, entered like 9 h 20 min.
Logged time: 6 h 47 min
